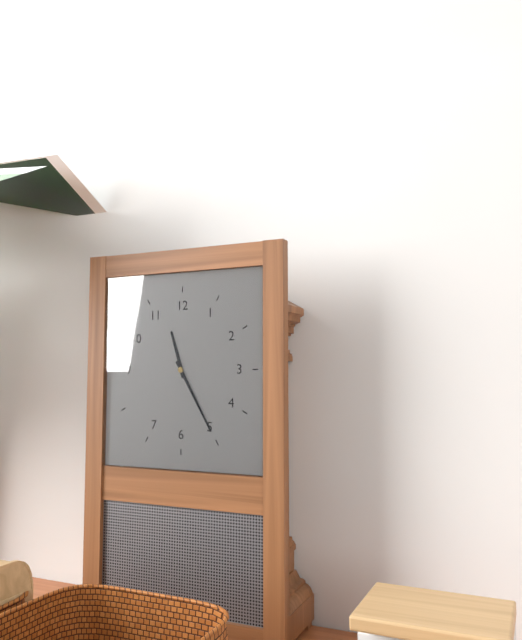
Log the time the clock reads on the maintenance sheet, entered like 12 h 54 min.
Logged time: 11 h 25 min
